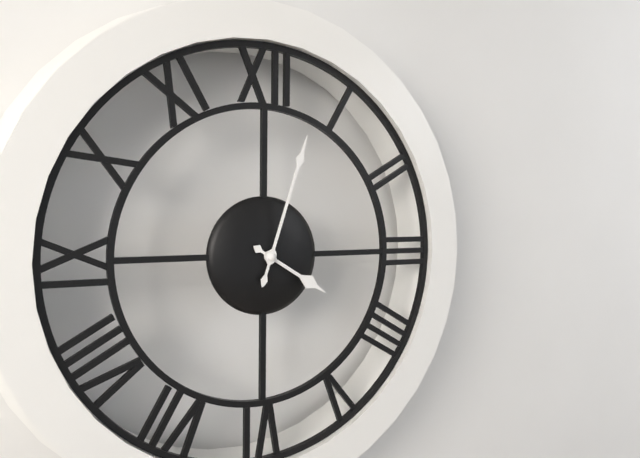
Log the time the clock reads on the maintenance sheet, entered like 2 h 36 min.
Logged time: 4 h 03 min
